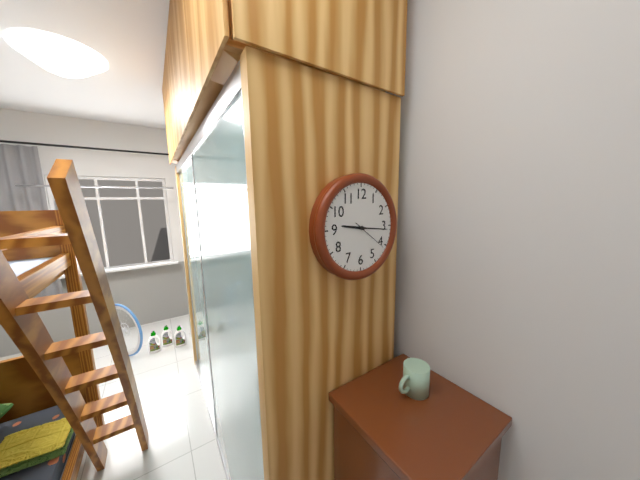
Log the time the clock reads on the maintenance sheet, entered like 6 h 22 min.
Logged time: 9 h 16 min
